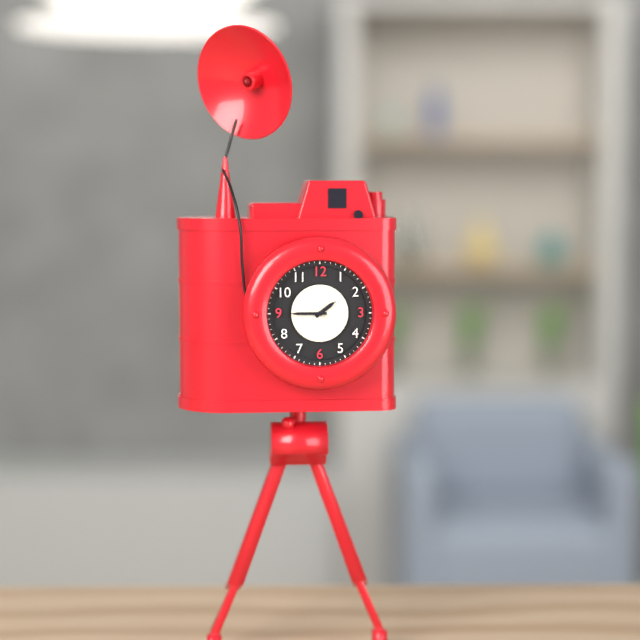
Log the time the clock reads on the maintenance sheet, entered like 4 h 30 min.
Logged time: 1 h 45 min
